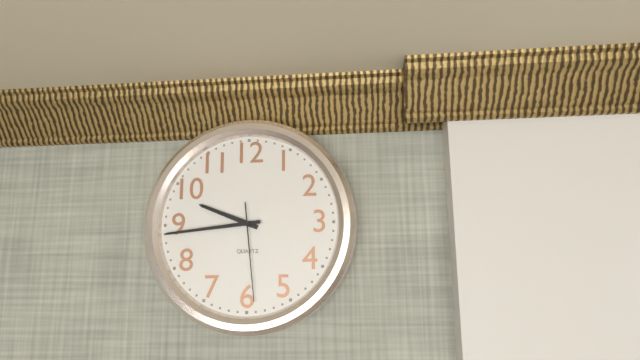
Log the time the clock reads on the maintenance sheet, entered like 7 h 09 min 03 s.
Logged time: 9 h 44 min 29 s
